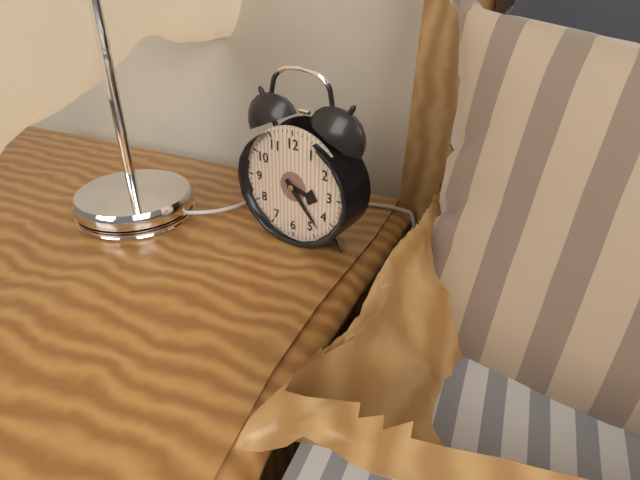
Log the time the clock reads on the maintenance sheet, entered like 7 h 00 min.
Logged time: 3 h 23 min
